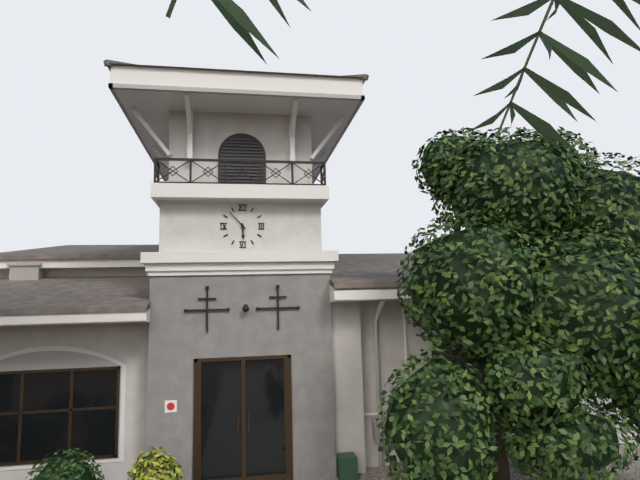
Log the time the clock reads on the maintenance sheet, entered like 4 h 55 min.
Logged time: 5 h 53 min
